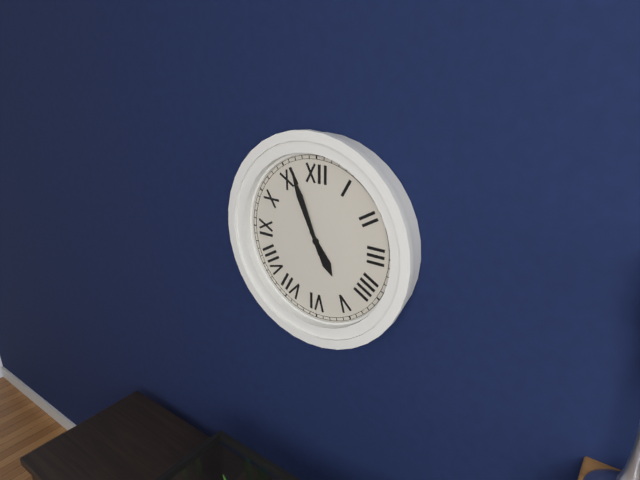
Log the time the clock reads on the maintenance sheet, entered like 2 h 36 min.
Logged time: 4 h 56 min
